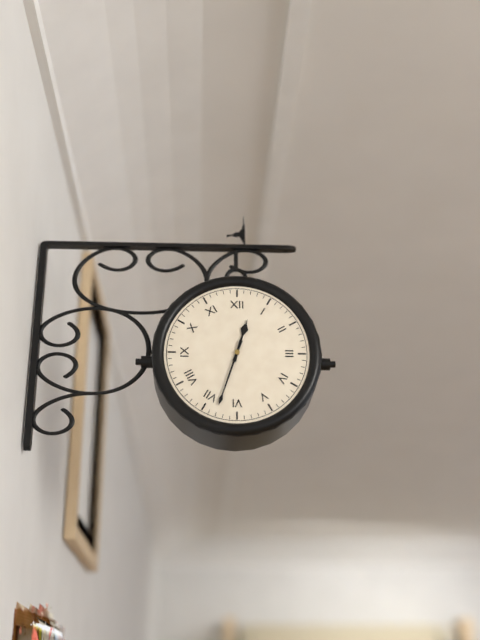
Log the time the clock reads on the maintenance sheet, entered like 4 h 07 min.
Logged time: 12 h 33 min
